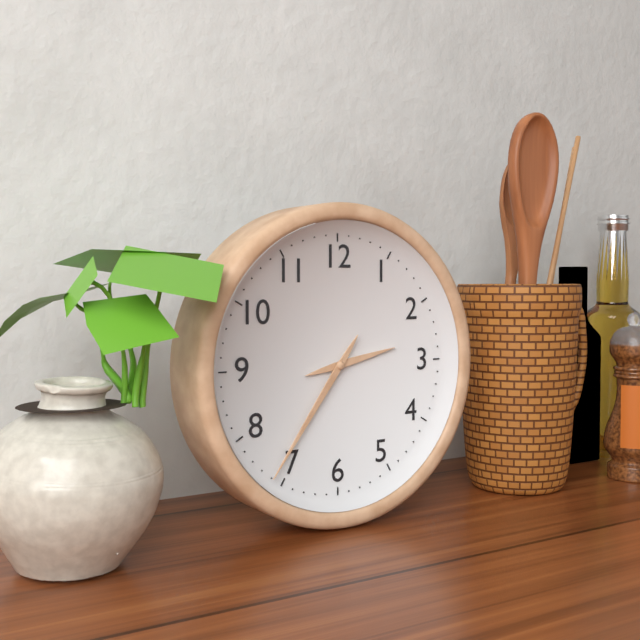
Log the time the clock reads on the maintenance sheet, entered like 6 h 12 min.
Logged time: 2 h 36 min
